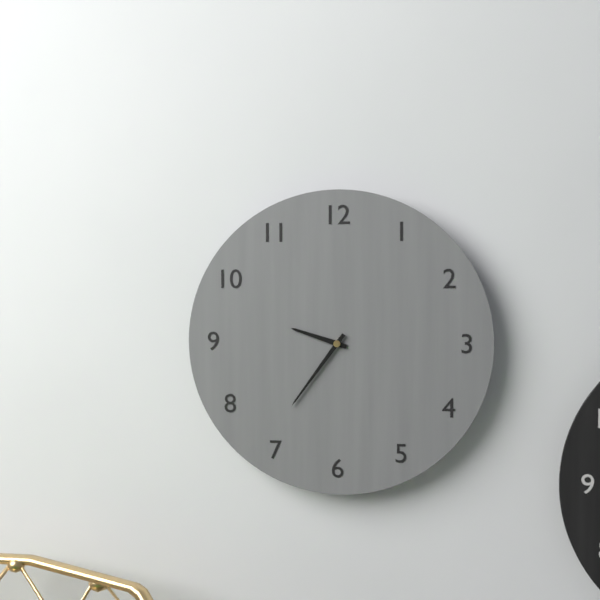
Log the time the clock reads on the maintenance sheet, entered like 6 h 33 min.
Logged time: 9 h 36 min
